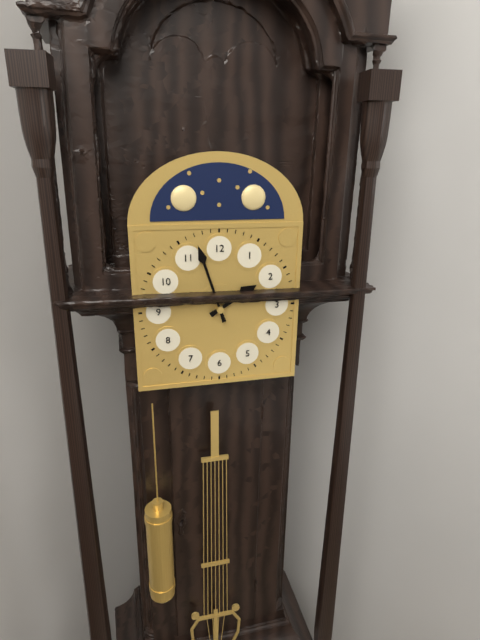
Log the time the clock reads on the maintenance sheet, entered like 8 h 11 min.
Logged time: 1 h 57 min
